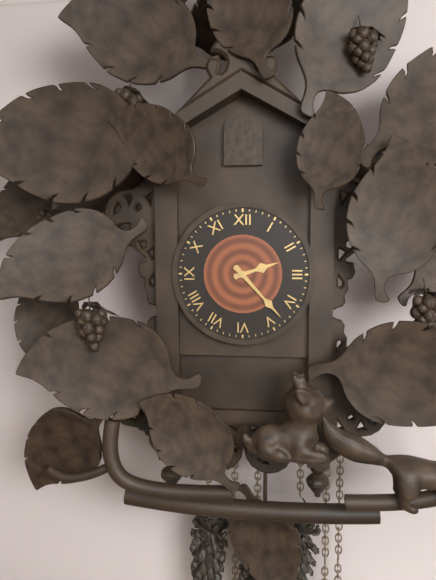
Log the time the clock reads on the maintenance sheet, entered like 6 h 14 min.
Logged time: 2 h 23 min
